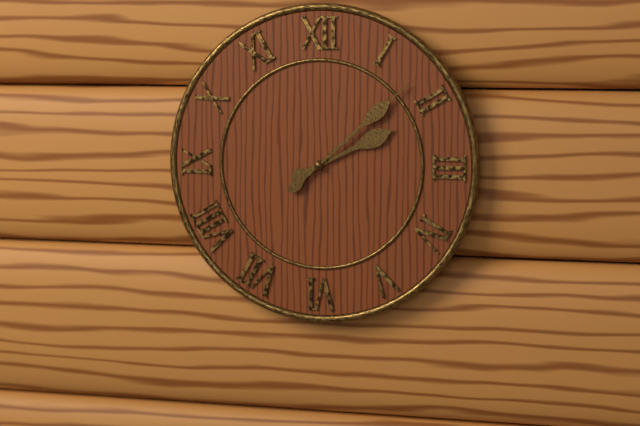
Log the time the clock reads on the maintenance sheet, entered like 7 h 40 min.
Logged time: 2 h 08 min
